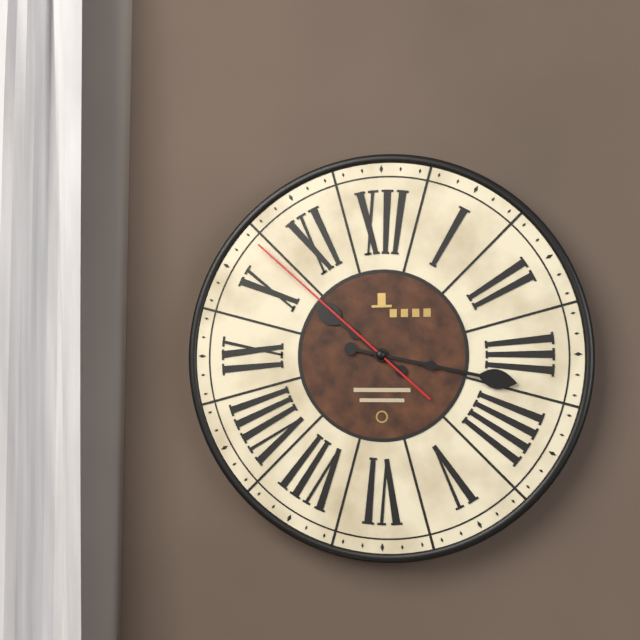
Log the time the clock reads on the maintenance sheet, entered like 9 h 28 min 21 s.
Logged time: 10 h 17 min 52 s
